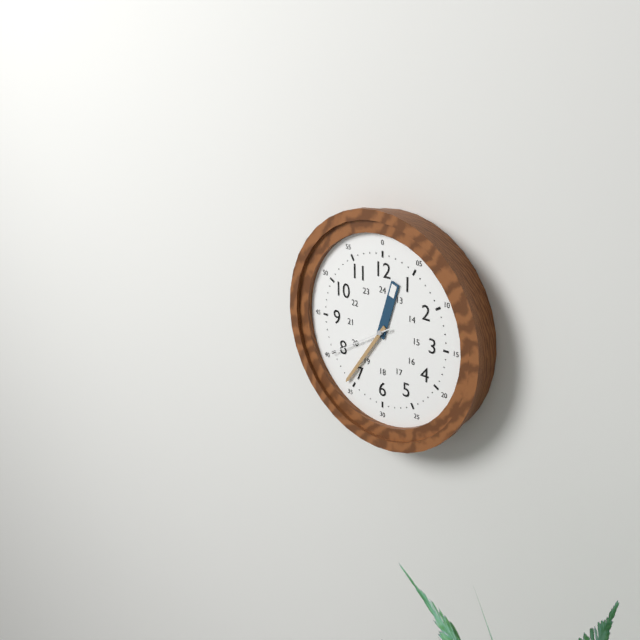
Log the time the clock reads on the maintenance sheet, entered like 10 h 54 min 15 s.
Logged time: 12 h 36 min 40 s
